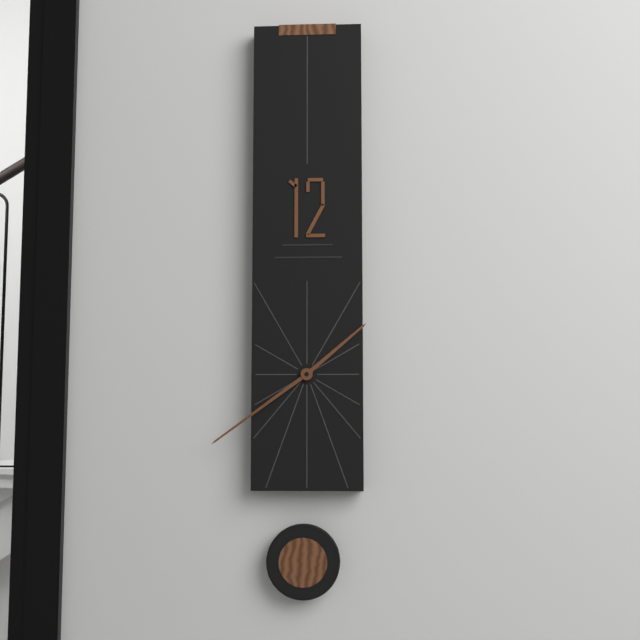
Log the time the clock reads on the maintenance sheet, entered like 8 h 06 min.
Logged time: 1 h 39 min
